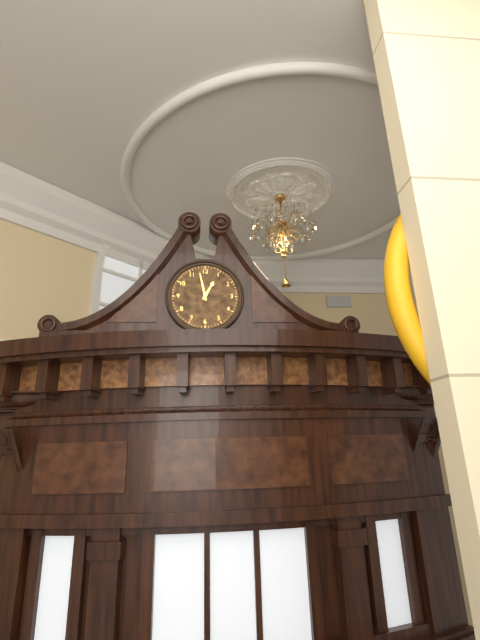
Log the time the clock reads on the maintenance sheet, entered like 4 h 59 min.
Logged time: 12 h 58 min
